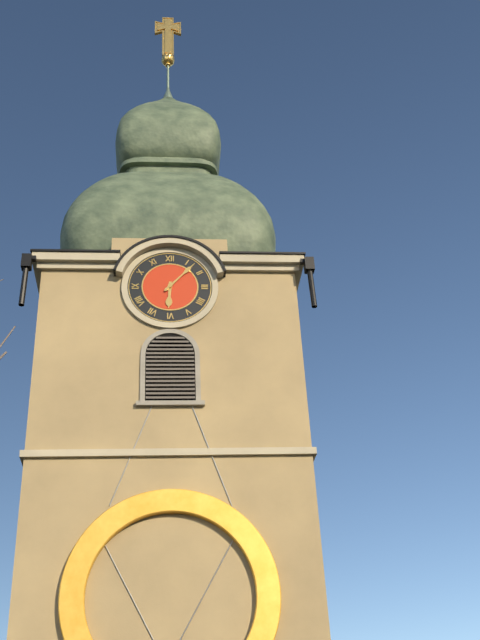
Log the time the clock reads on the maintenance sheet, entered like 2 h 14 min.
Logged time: 6 h 07 min
